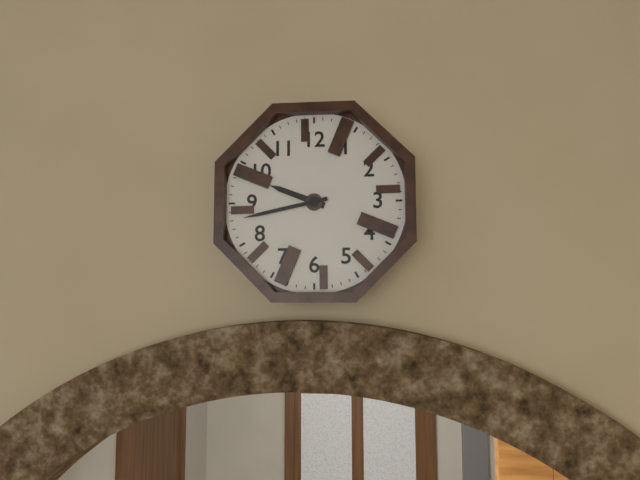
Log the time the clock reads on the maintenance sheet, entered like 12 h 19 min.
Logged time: 9 h 43 min
